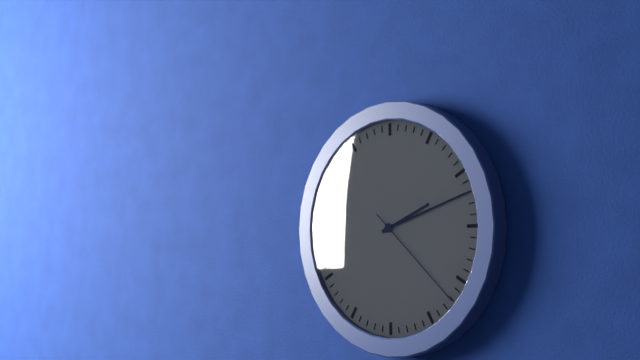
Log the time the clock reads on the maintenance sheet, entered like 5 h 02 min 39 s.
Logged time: 2 h 12 min 22 s
